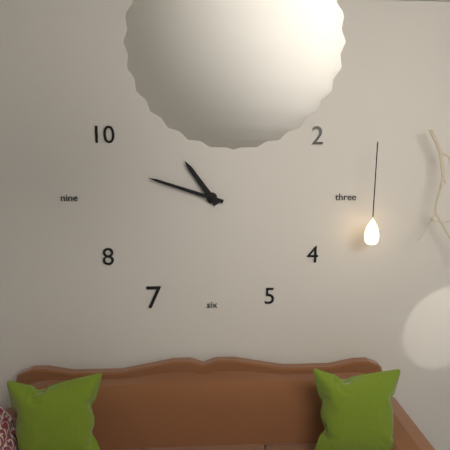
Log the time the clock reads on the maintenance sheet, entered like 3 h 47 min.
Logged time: 10 h 48 min
